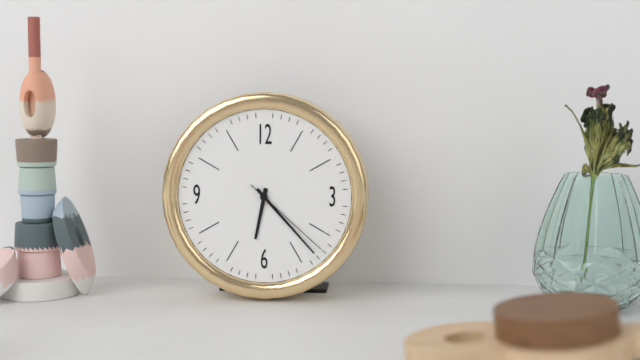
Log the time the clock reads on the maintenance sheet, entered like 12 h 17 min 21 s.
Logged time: 6 h 23 min 22 s
